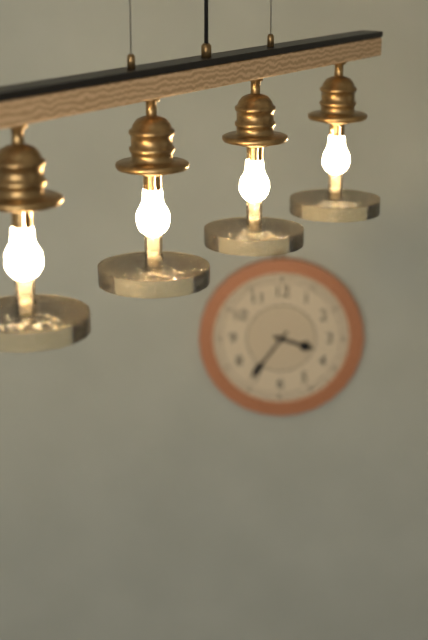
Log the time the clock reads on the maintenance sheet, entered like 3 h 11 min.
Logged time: 3 h 36 min
